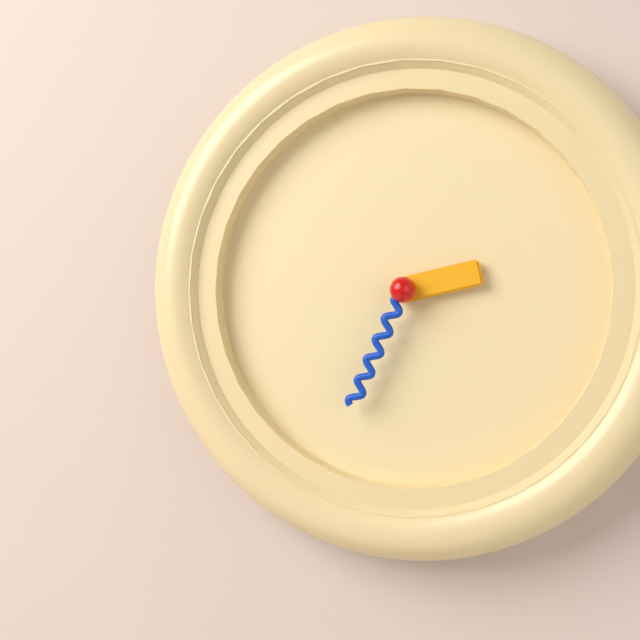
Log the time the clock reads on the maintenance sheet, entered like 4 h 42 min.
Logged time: 2 h 34 min
